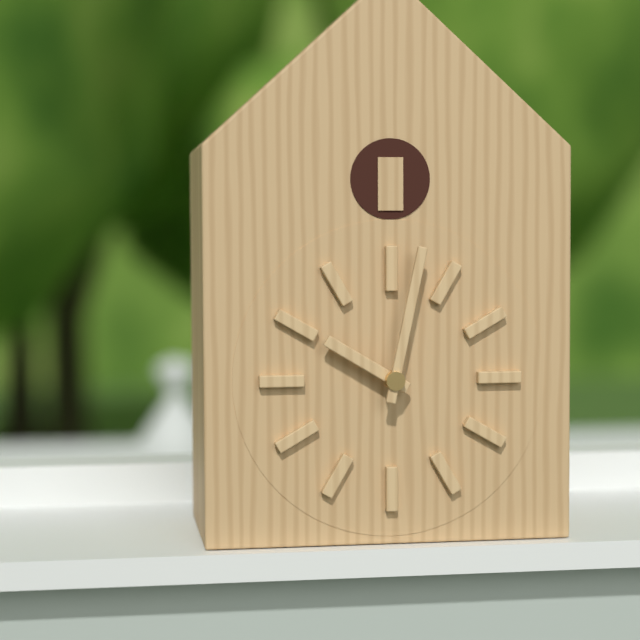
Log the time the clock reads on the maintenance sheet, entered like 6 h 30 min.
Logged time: 10 h 02 min
